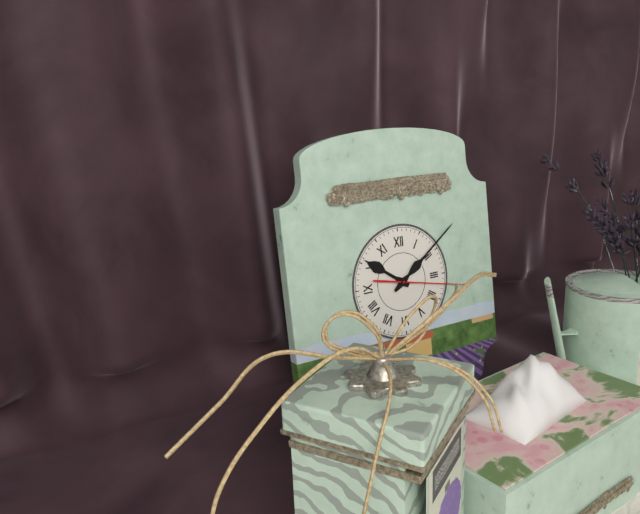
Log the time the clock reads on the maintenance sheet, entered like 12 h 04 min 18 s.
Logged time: 10 h 09 min 17 s
